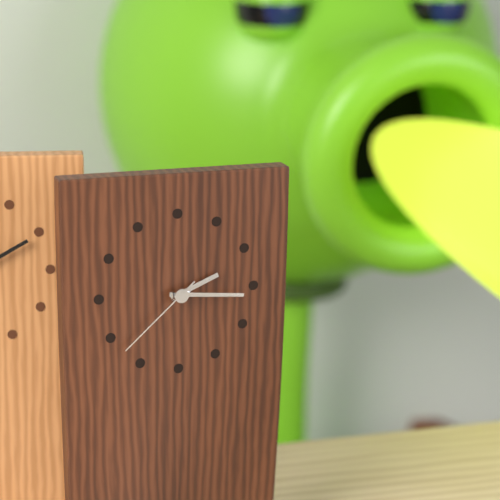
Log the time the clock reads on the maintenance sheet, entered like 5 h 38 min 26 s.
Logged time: 2 h 16 min 38 s
